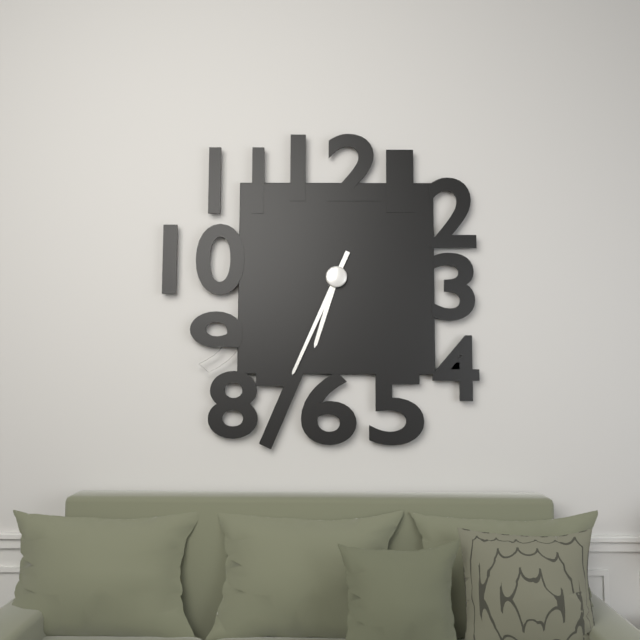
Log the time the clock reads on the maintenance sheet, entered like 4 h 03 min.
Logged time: 6 h 34 min
